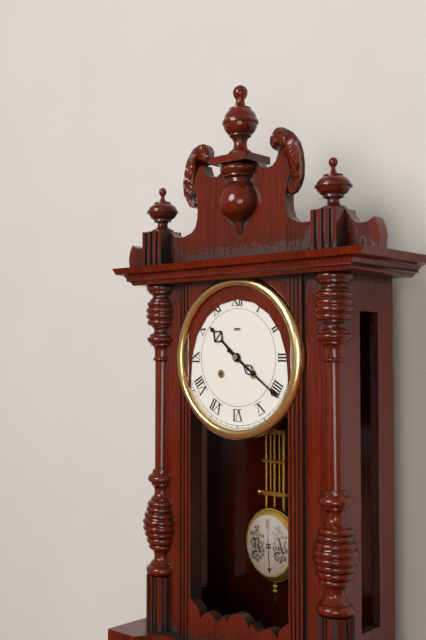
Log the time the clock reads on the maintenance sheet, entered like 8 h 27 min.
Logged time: 10 h 21 min
